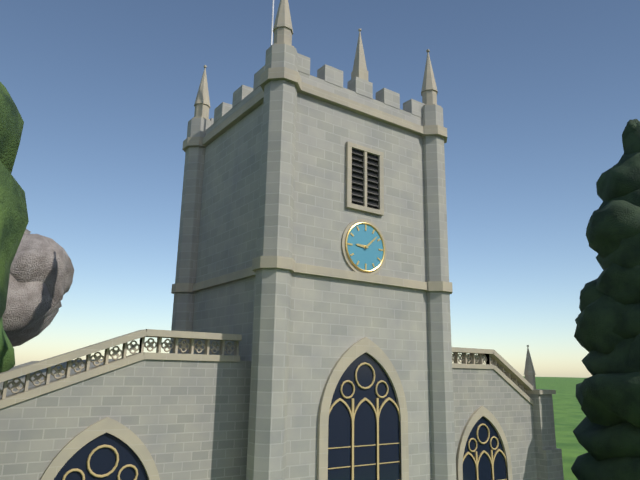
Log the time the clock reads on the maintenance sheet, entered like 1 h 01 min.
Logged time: 9 h 08 min
